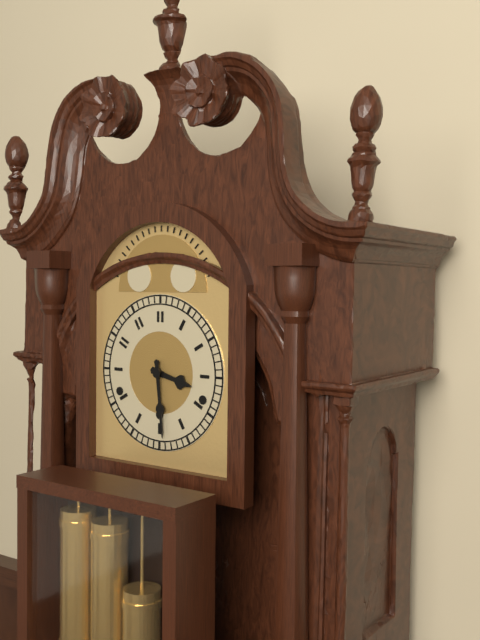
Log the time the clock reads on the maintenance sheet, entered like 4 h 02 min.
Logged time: 3 h 29 min
